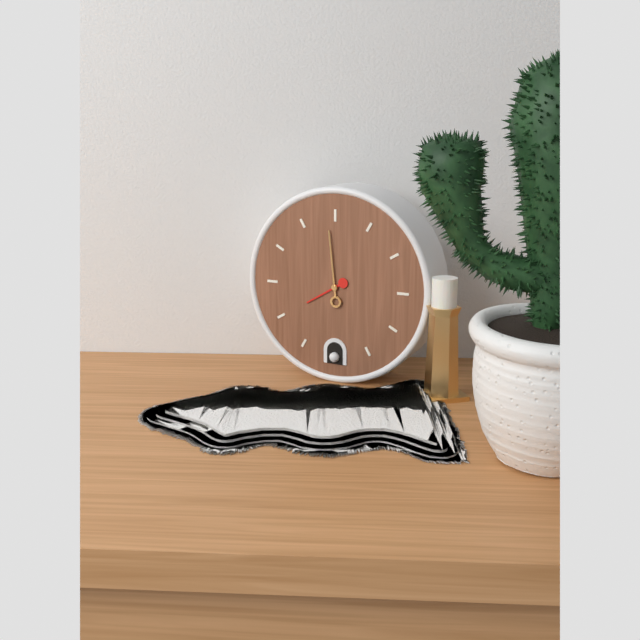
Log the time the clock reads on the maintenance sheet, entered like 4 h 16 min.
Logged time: 7 h 59 min
